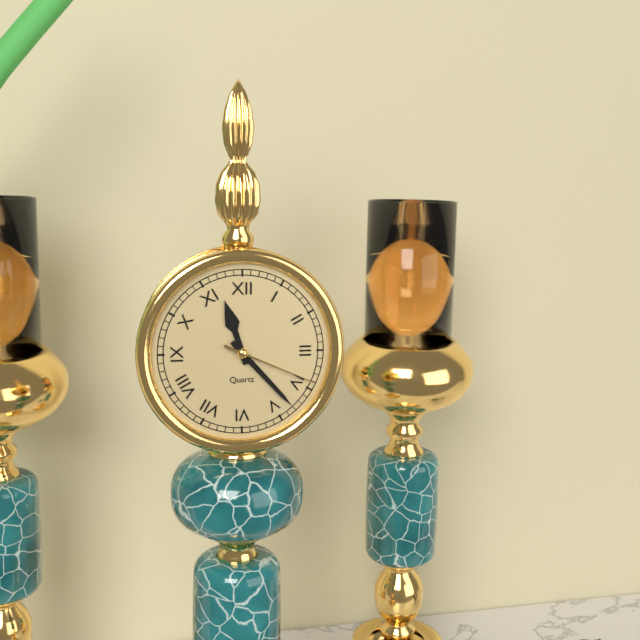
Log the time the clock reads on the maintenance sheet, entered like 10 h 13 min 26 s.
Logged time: 11 h 23 min 19 s
